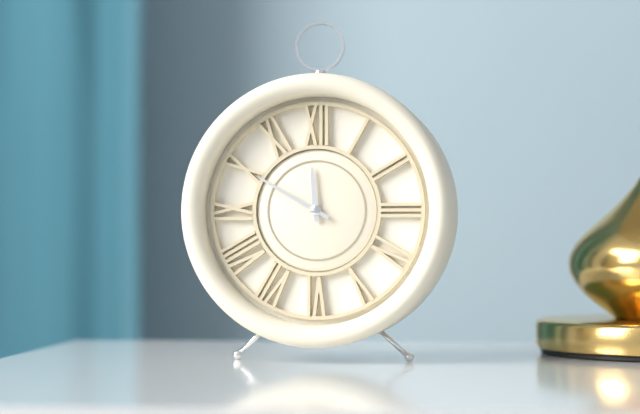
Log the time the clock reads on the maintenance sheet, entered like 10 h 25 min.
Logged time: 11 h 50 min
